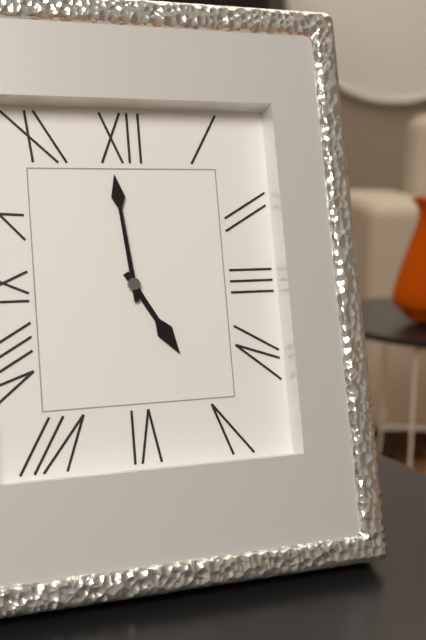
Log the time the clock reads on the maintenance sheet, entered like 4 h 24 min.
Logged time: 4 h 59 min
